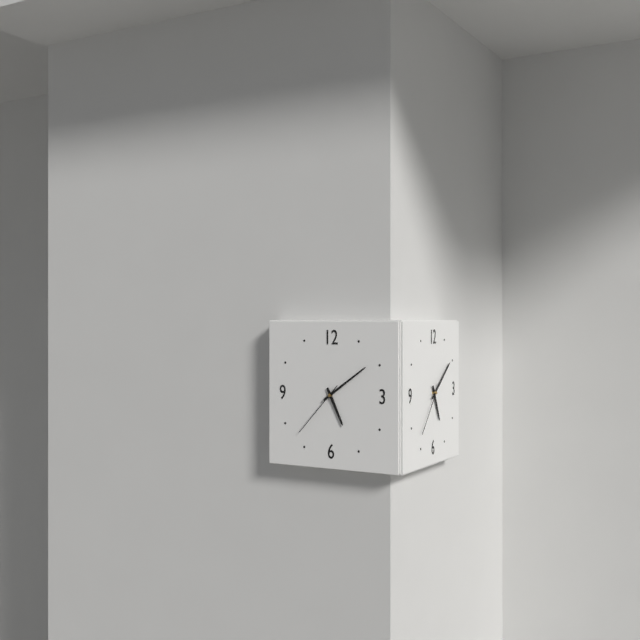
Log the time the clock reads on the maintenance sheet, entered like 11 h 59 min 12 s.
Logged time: 5 h 09 min 37 s
